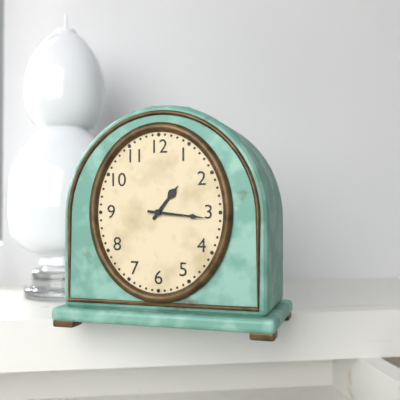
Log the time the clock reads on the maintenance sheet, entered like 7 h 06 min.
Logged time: 1 h 16 min
